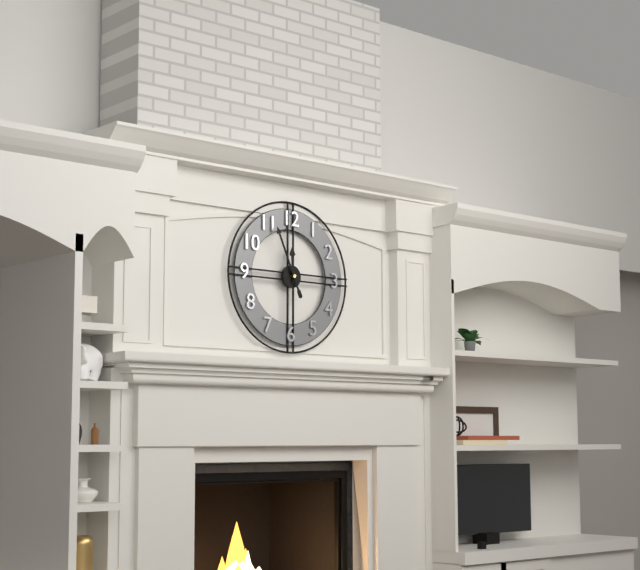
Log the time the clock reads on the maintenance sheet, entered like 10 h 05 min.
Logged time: 11 h 56 min
